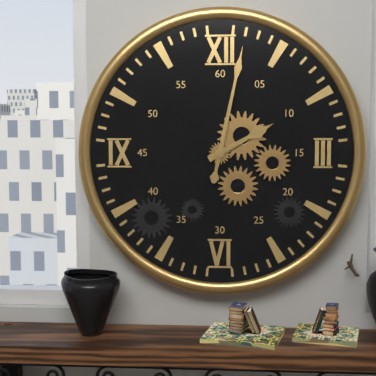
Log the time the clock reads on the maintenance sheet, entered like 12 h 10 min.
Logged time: 2 h 02 min
